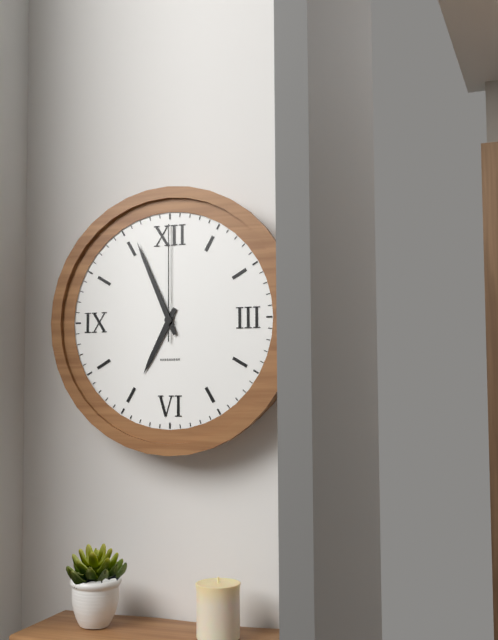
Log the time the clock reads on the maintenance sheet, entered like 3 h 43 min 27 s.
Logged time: 6 h 56 min 00 s
